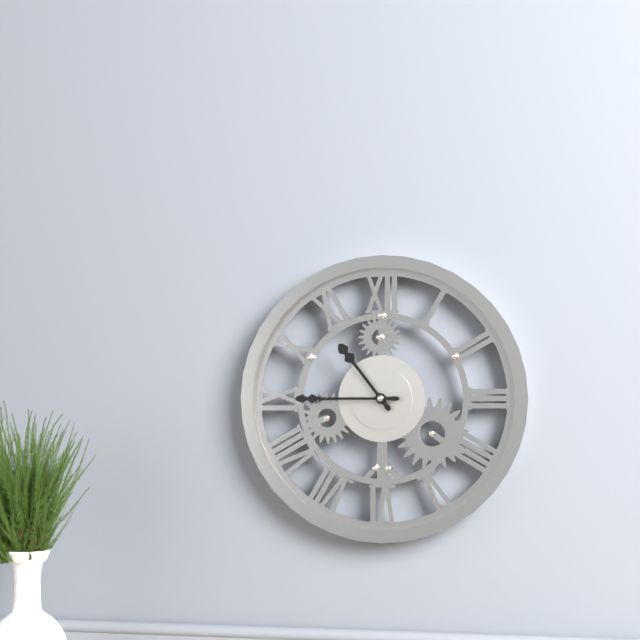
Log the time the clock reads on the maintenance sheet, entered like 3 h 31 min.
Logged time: 10 h 45 min
